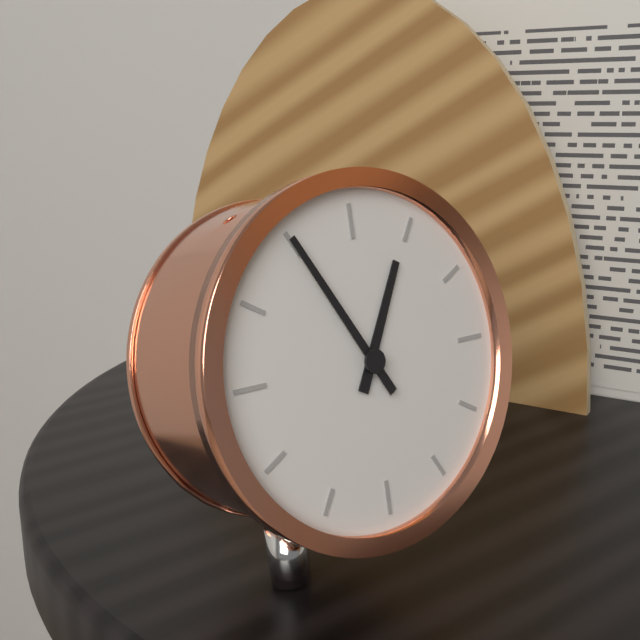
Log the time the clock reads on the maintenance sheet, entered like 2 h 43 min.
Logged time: 12 h 55 min
